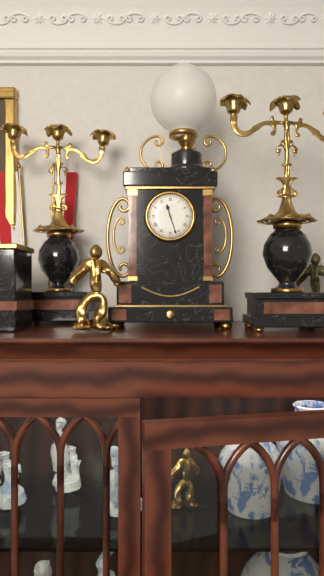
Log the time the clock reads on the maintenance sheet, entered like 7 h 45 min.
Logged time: 11 h 27 min
